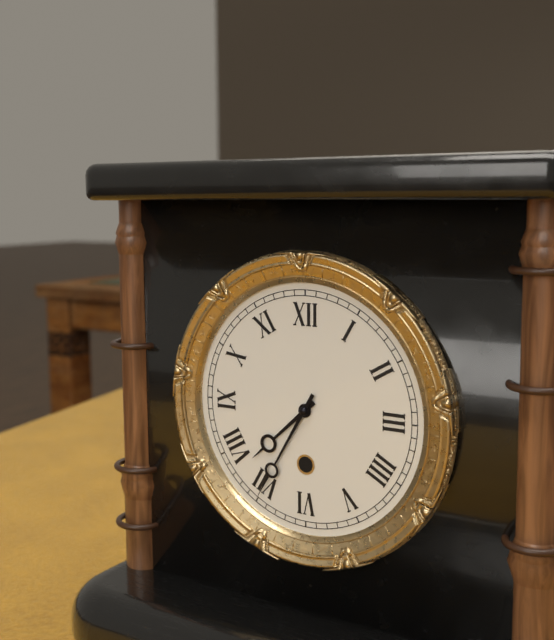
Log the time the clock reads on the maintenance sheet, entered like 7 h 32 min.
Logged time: 7 h 35 min
